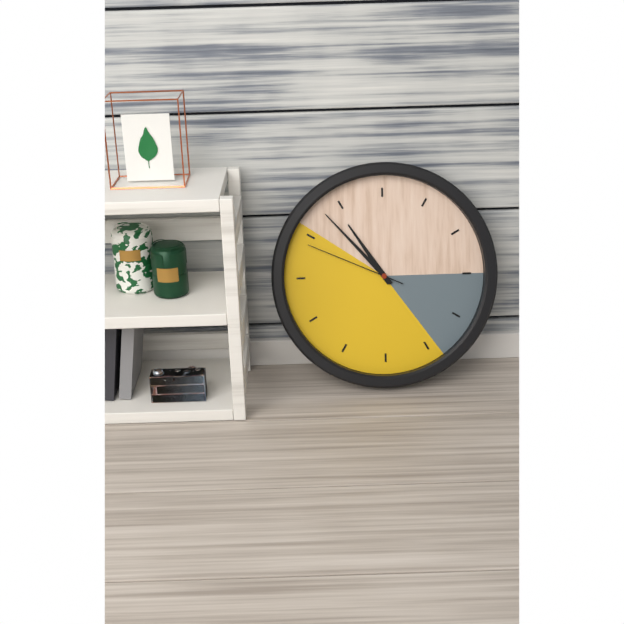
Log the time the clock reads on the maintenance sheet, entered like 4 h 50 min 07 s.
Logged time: 10 h 53 min 49 s
